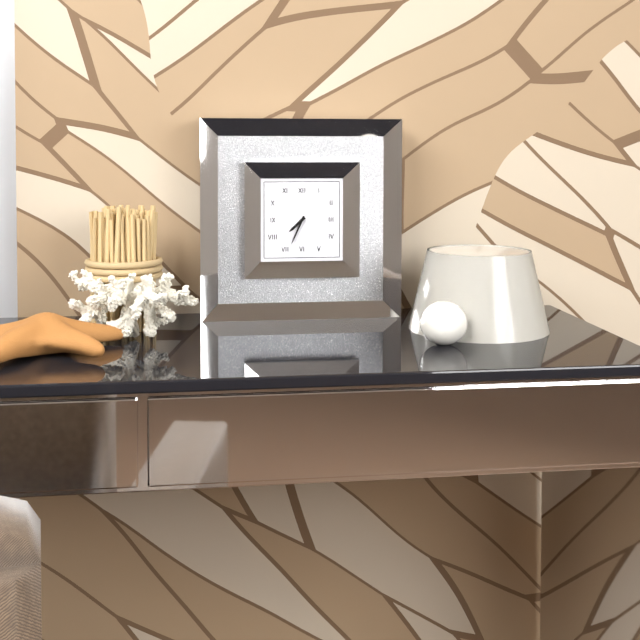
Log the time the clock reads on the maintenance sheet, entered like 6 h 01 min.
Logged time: 7 h 34 min
